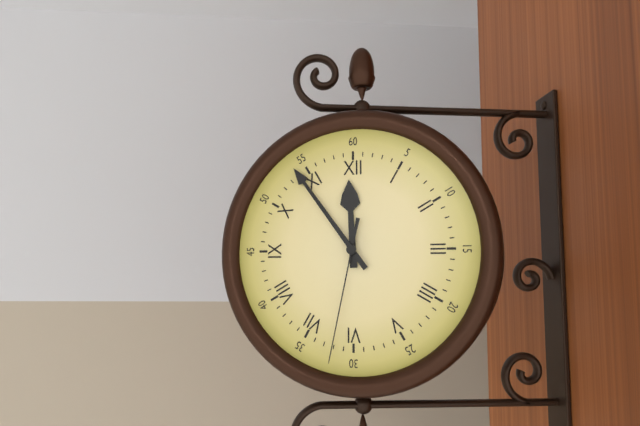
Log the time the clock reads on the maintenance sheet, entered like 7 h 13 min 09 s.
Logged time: 11 h 54 min 32 s
